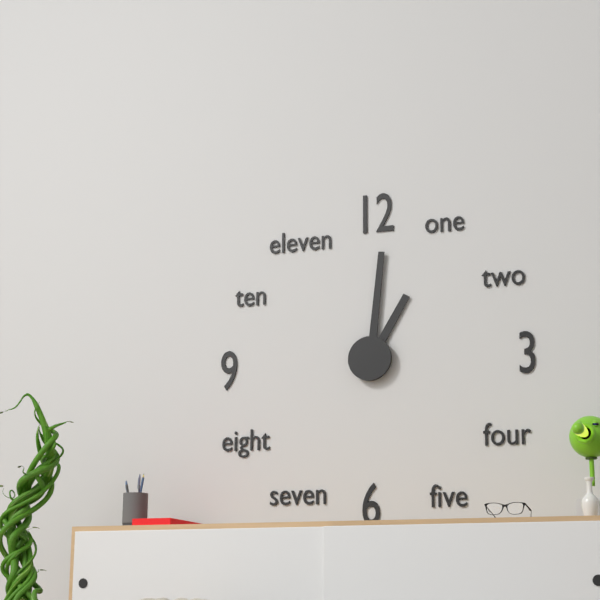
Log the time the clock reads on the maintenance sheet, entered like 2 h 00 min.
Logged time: 1 h 01 min
